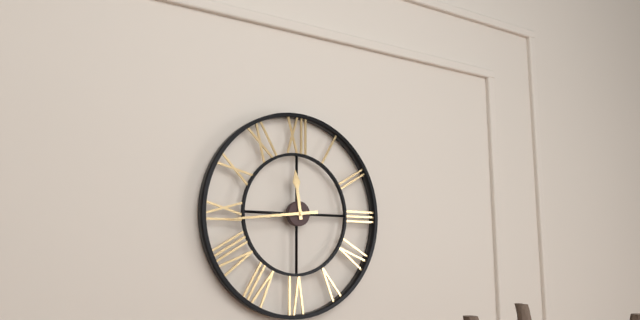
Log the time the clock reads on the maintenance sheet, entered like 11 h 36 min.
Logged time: 11 h 44 min
